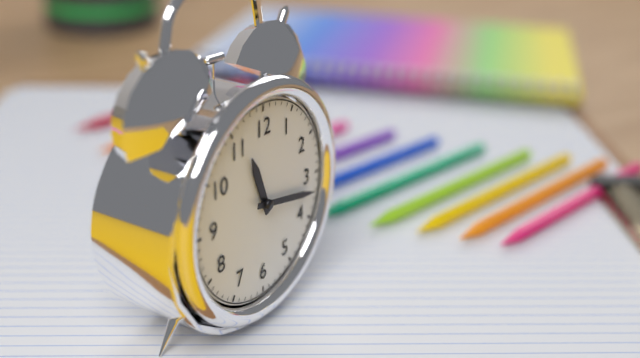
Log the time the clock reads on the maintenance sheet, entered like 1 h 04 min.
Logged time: 11 h 17 min
